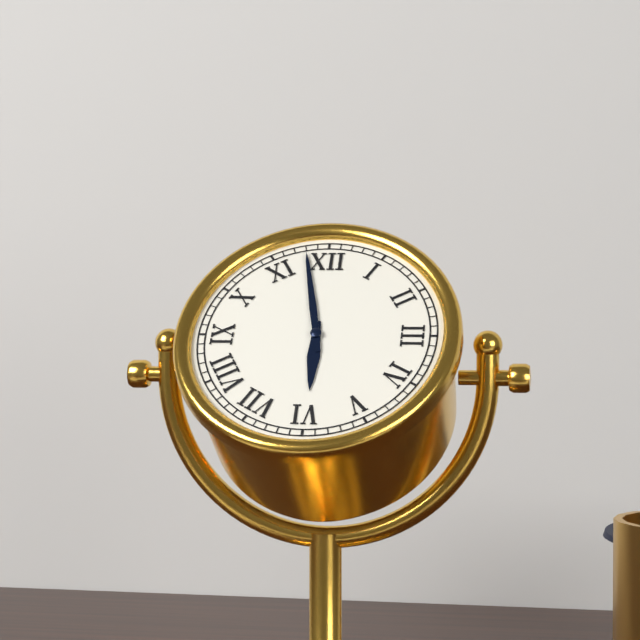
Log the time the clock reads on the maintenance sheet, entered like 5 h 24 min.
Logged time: 5 h 58 min
